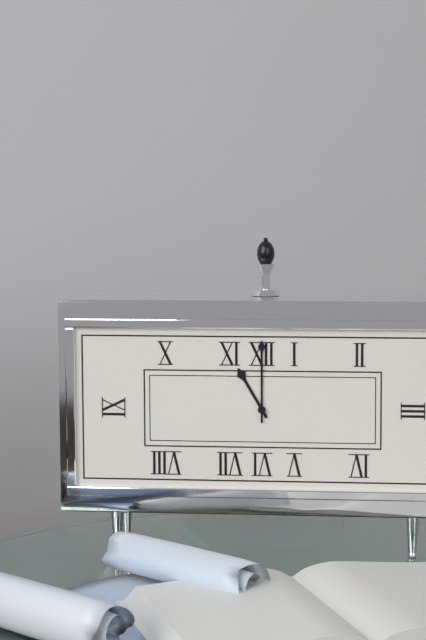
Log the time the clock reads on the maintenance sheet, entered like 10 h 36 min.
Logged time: 11 h 00 min
